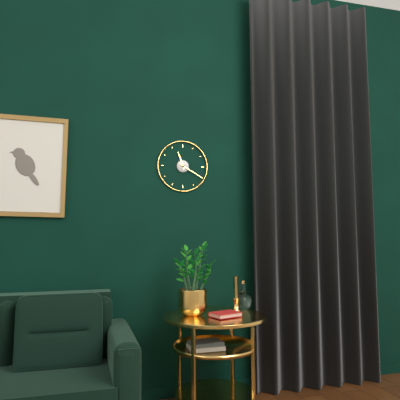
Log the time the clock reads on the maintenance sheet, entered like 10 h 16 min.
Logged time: 11 h 20 min
